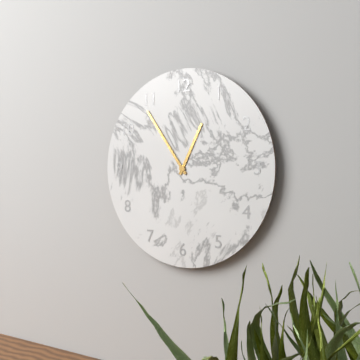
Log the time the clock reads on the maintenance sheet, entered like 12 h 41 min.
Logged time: 12 h 54 min
